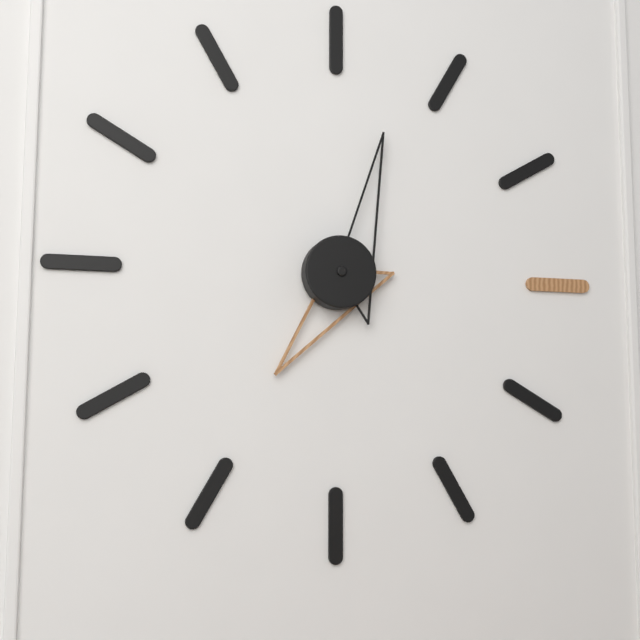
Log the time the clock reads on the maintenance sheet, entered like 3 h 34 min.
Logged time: 7 h 03 min
